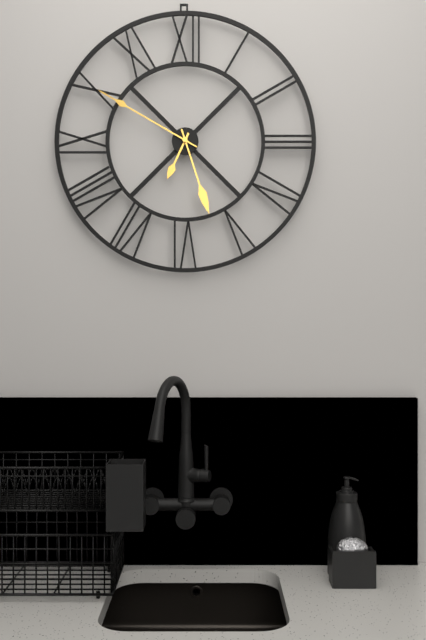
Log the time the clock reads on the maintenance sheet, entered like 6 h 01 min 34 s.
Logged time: 6 h 50 min 27 s
